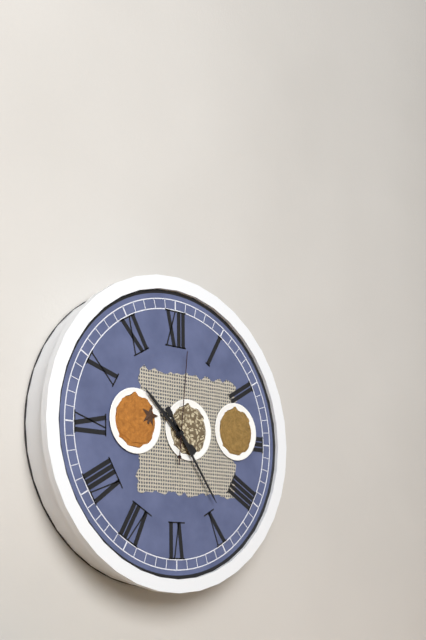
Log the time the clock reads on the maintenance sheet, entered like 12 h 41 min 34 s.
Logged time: 10 h 24 min 01 s
